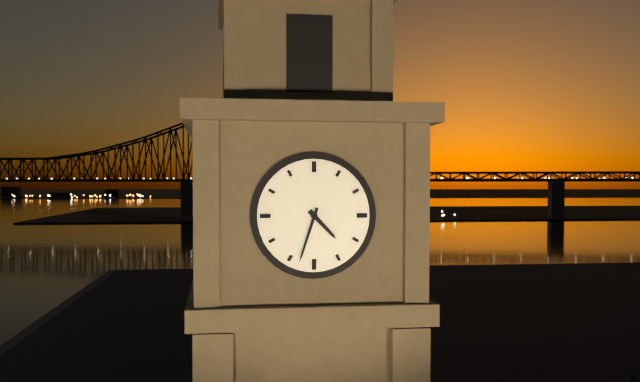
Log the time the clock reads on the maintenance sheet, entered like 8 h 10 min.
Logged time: 4 h 33 min
